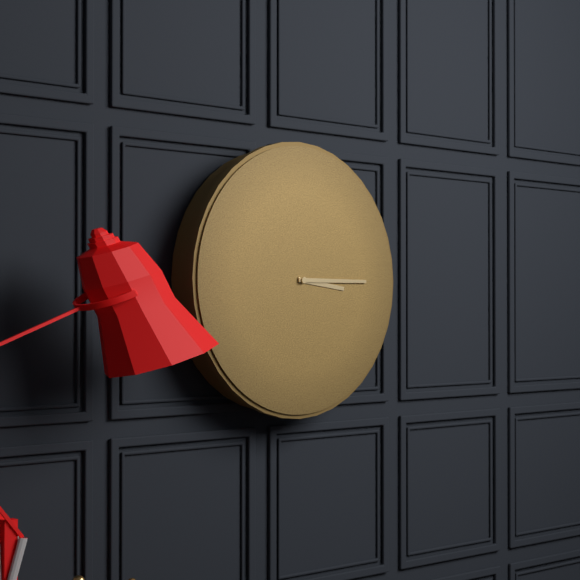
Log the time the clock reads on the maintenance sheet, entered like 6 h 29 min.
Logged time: 3 h 15 min
